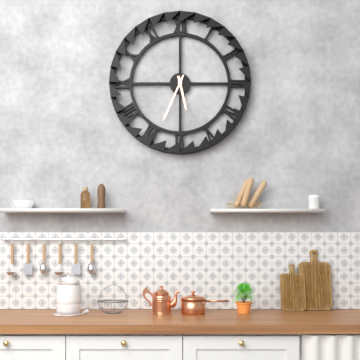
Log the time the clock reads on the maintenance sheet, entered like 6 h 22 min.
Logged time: 5 h 34 min
